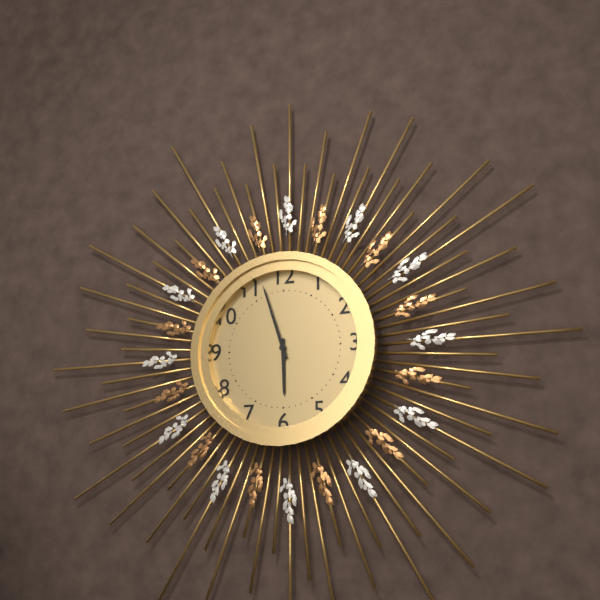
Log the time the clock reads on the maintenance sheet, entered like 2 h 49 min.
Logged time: 5 h 57 min
